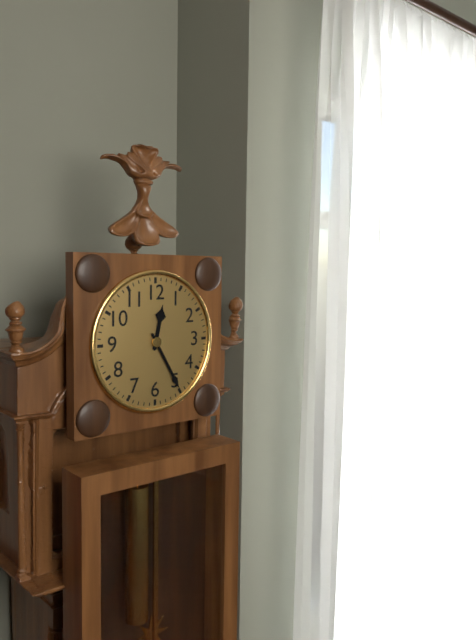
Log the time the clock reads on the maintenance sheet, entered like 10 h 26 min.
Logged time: 12 h 25 min
